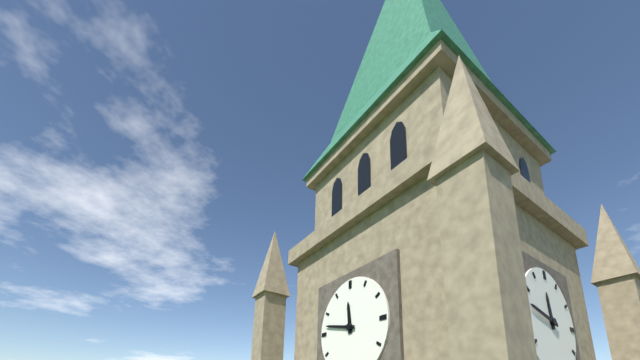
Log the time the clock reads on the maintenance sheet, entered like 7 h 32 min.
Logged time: 11 h 47 min
